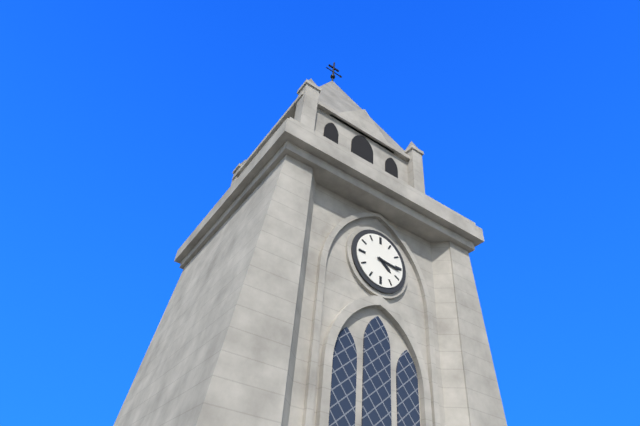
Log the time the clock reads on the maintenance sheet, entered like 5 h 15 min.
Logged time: 4 h 16 min
